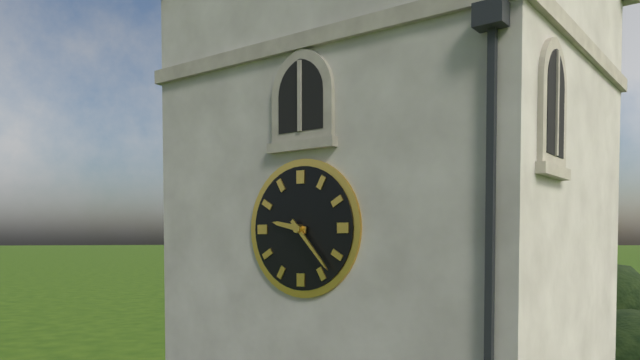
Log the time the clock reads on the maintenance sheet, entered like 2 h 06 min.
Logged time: 9 h 23 min
